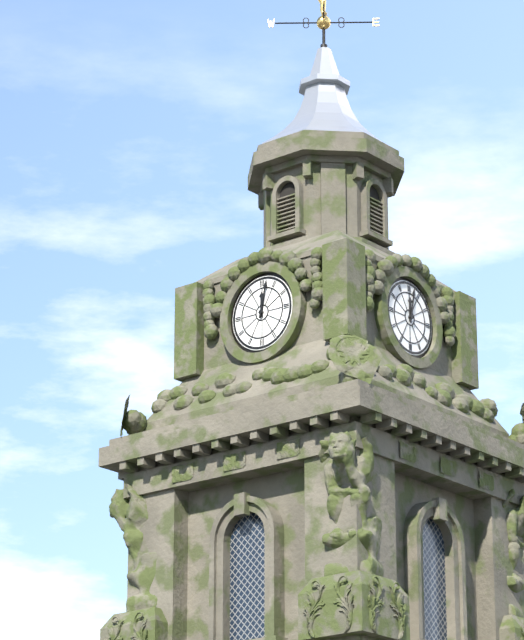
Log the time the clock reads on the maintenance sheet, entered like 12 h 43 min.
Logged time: 12 h 02 min
